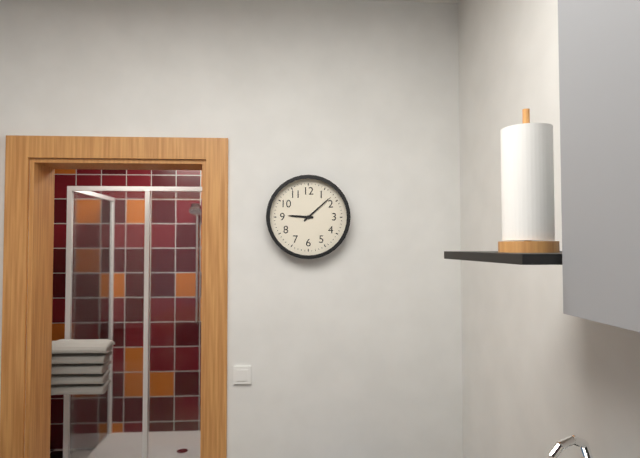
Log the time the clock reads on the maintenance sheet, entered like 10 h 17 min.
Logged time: 9 h 08 min
